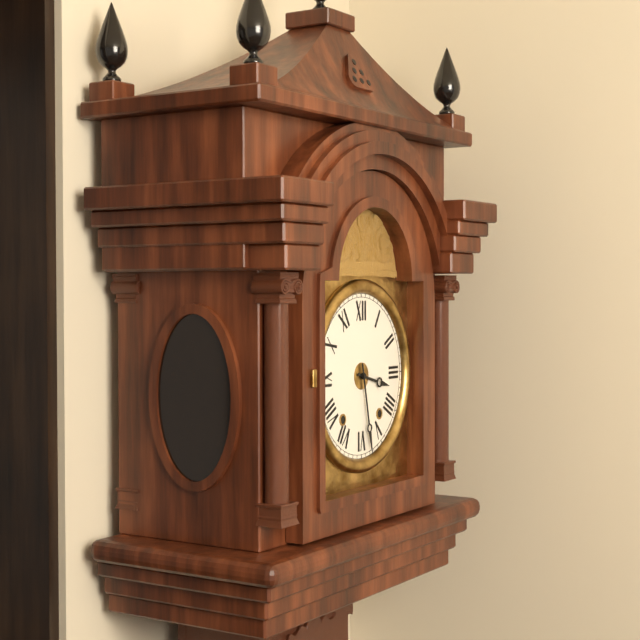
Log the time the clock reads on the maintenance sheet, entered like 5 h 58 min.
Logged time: 3 h 28 min
